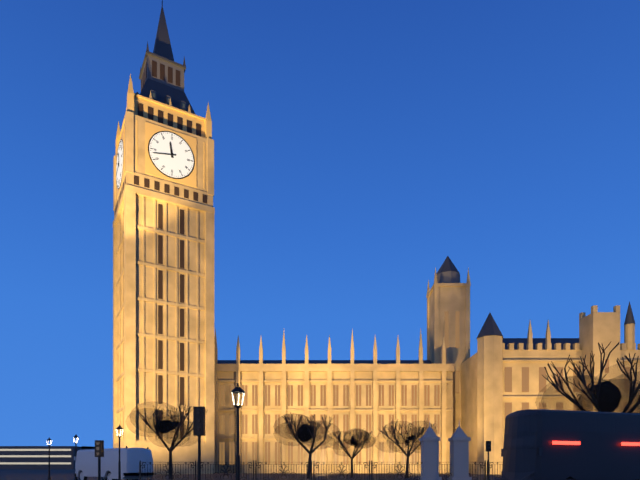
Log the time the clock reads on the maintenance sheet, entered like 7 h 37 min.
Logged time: 11 h 43 min
